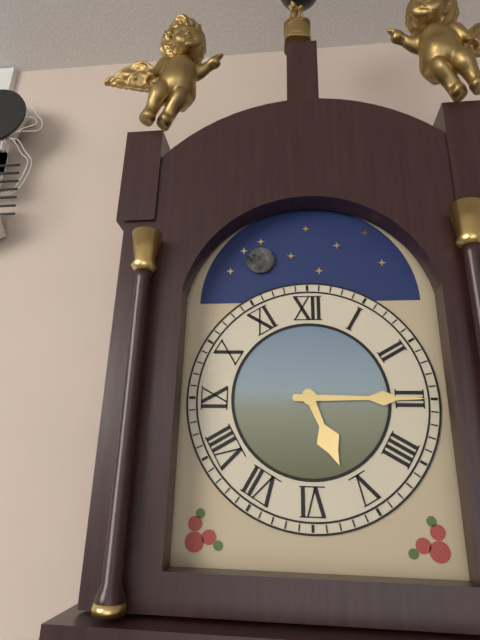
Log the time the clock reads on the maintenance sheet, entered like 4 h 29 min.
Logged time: 5 h 15 min
